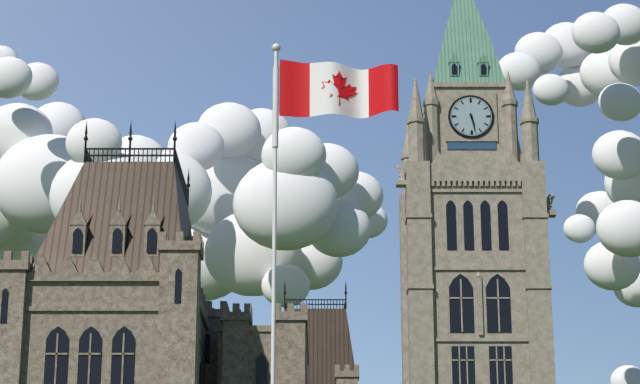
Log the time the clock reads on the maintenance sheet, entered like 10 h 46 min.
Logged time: 5 h 28 min
